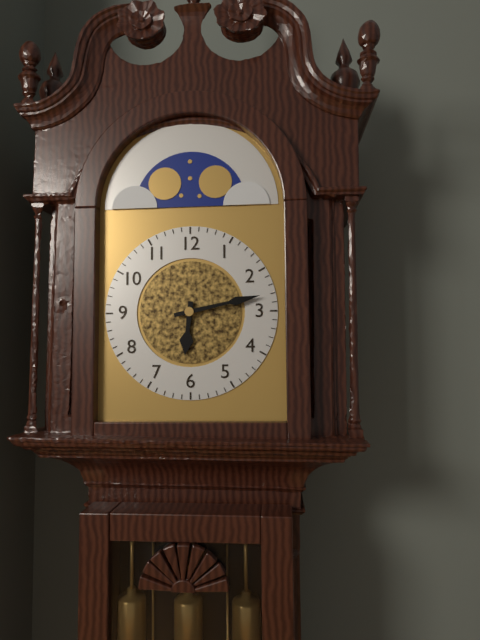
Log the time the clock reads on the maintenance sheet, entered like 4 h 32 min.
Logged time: 6 h 13 min
